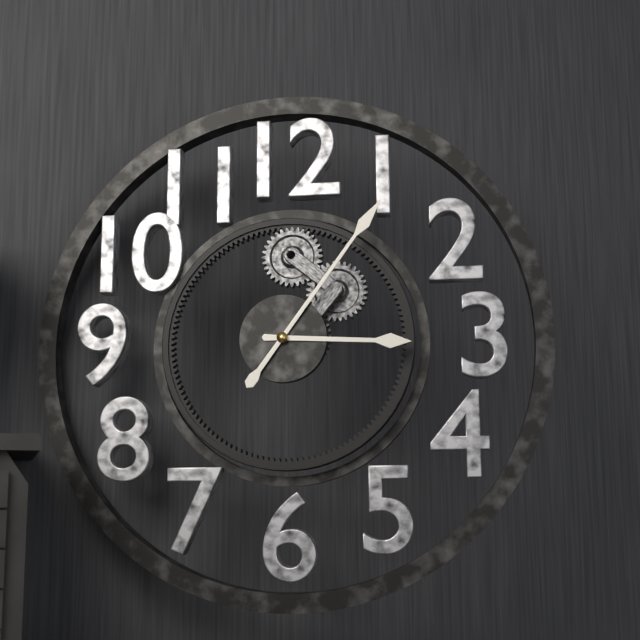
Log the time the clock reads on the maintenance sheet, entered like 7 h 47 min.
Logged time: 3 h 06 min
